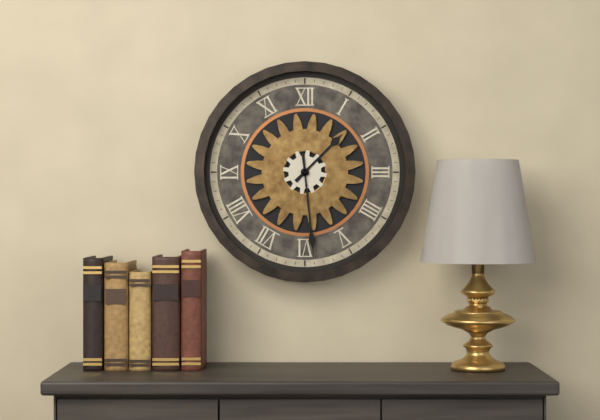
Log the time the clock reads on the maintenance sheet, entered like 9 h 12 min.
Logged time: 1 h 29 min
